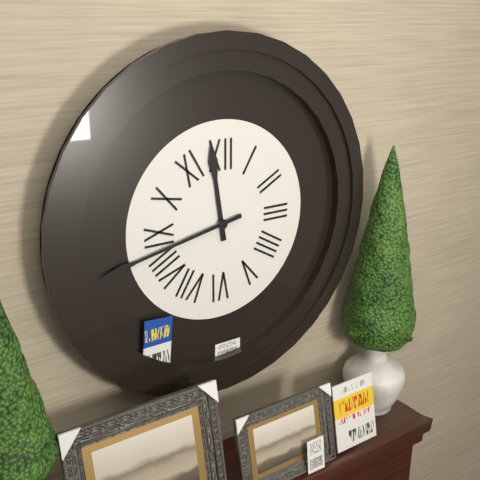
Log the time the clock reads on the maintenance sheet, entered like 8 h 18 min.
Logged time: 11 h 43 min
